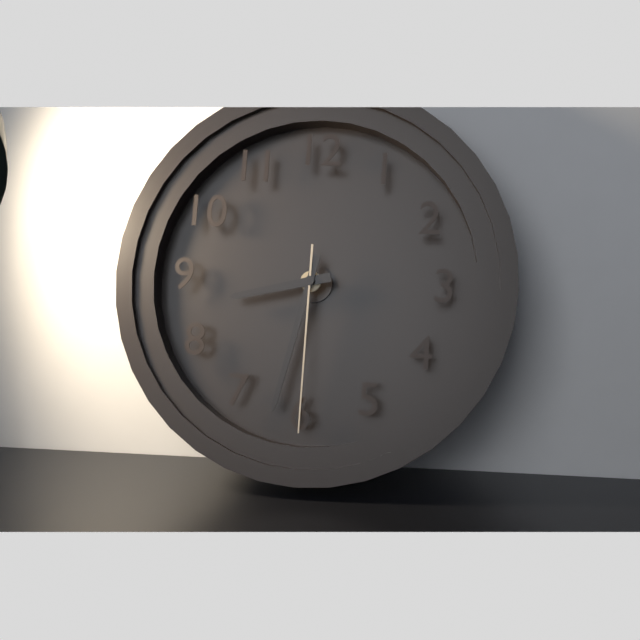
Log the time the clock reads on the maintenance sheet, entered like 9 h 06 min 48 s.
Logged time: 8 h 32 min 30 s
